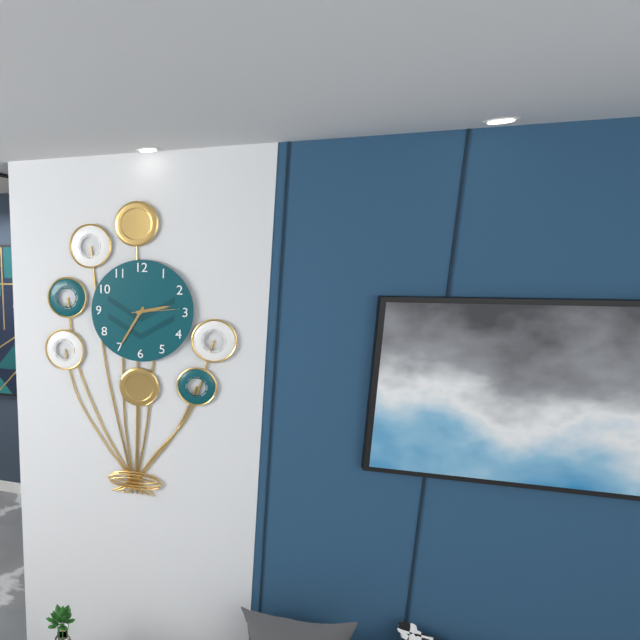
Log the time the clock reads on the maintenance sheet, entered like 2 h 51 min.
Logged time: 2 h 35 min
